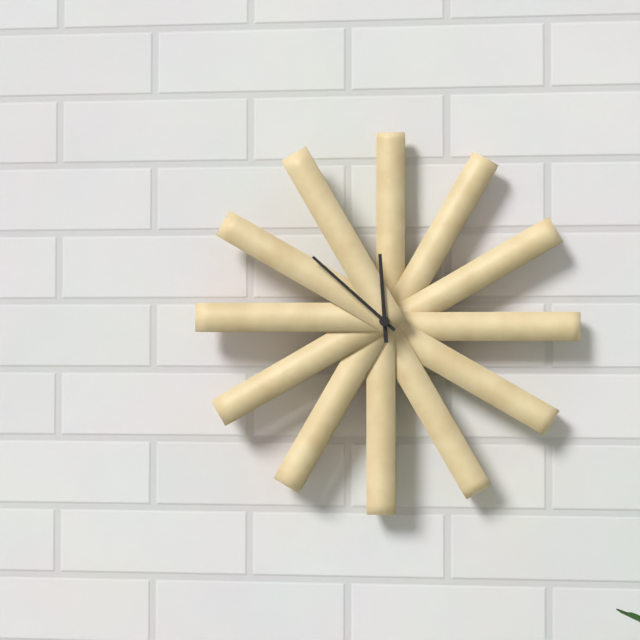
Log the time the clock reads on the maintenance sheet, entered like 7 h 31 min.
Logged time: 11 h 52 min
